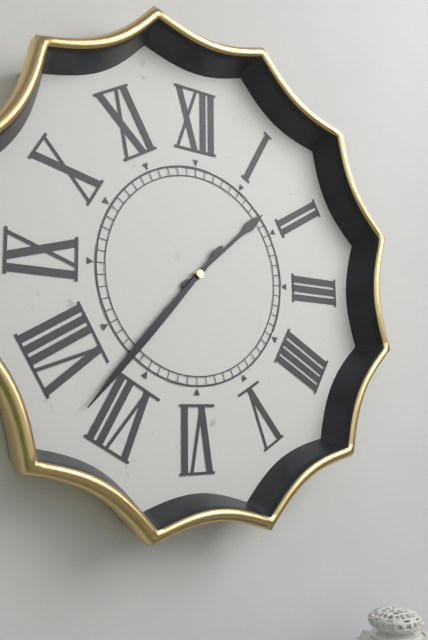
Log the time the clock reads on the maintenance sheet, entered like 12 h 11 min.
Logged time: 1 h 37 min
